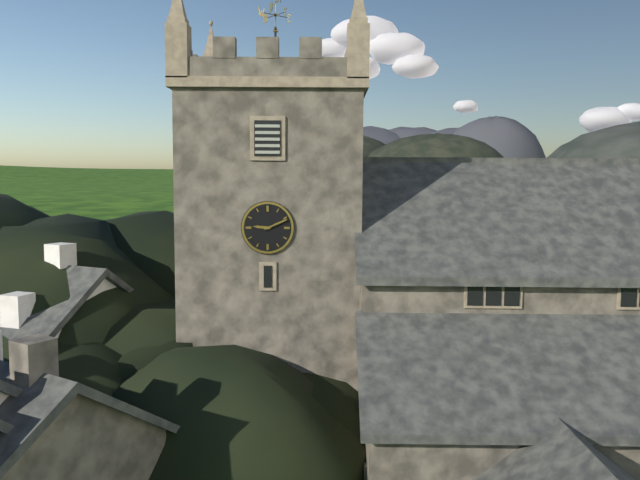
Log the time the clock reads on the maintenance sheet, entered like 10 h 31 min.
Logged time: 9 h 11 min
